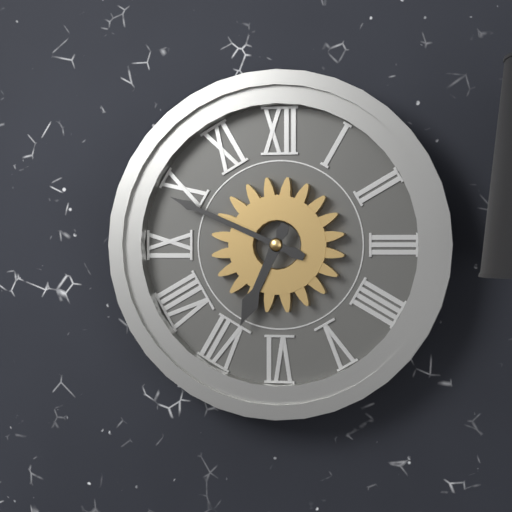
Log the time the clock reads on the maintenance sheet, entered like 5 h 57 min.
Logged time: 6 h 49 min
